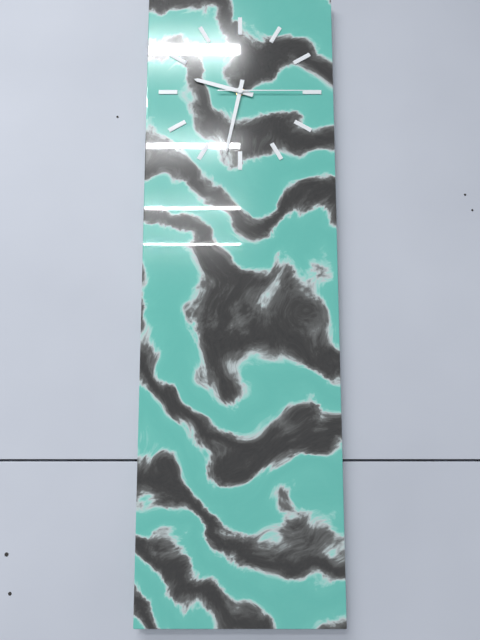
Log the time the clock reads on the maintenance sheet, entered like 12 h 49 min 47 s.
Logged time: 9 h 32 min 15 s
